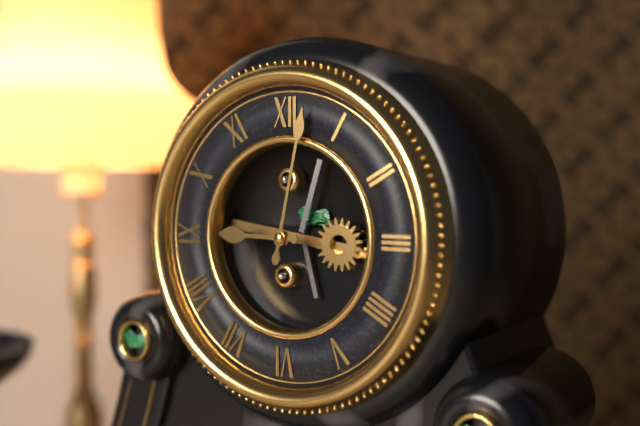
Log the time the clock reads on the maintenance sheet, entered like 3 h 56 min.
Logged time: 9 h 02 min
